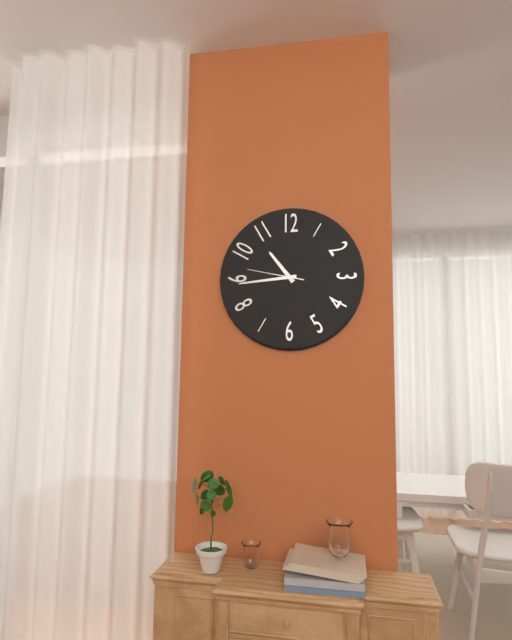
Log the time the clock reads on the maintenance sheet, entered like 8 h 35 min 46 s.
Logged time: 10 h 44 min 47 s
